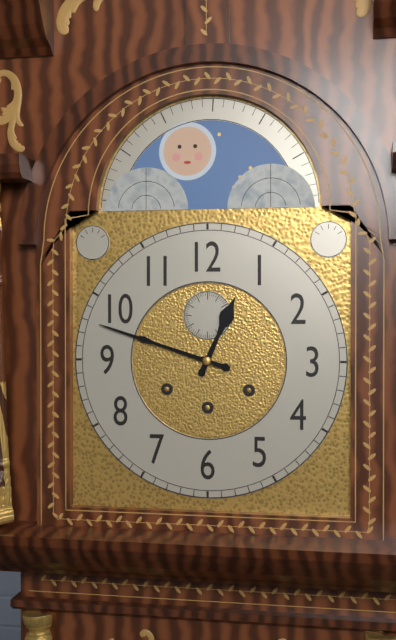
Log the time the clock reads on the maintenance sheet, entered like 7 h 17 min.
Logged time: 12 h 48 min
